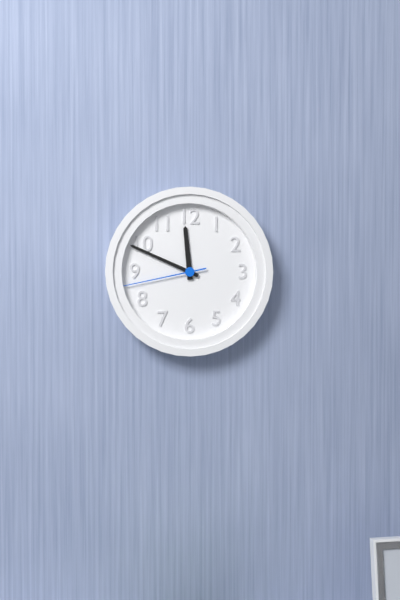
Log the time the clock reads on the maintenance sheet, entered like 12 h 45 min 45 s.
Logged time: 11 h 49 min 43 s
